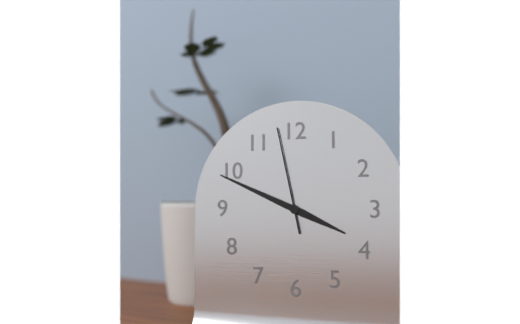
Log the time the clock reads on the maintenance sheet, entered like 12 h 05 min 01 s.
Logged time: 3 h 49 min 58 s
